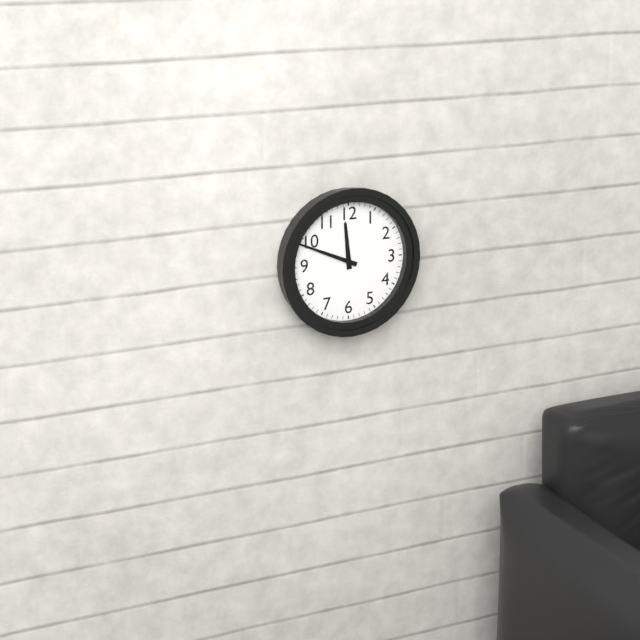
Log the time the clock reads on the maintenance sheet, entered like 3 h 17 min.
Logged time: 11 h 49 min
